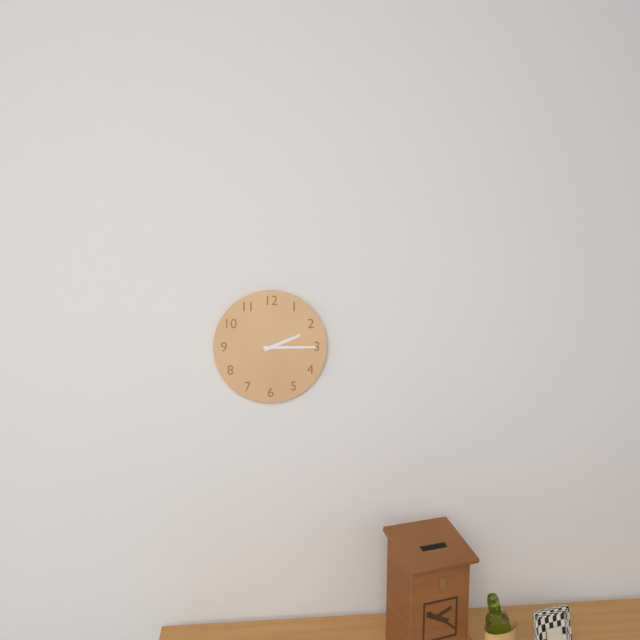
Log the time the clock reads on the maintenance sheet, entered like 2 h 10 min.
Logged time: 2 h 15 min
